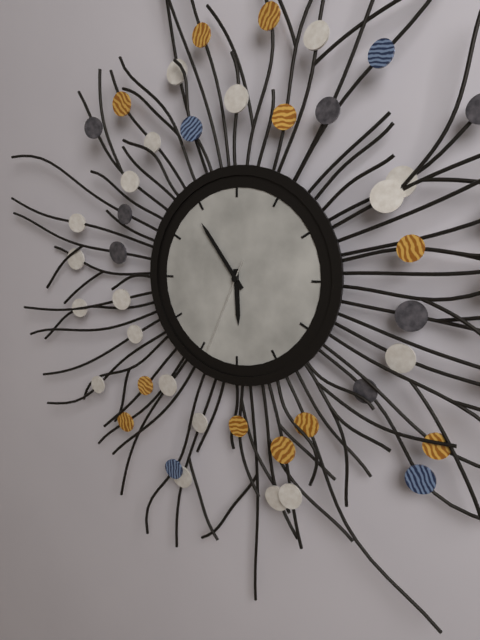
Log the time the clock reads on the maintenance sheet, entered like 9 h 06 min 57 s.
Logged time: 5 h 54 min 34 s
